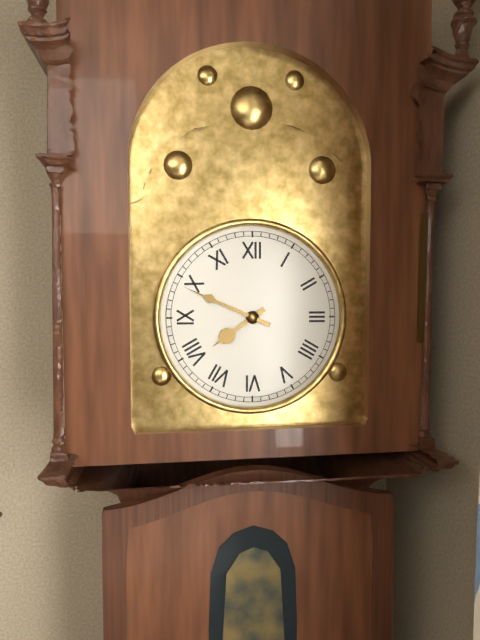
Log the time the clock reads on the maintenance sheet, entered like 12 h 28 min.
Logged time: 7 h 49 min
